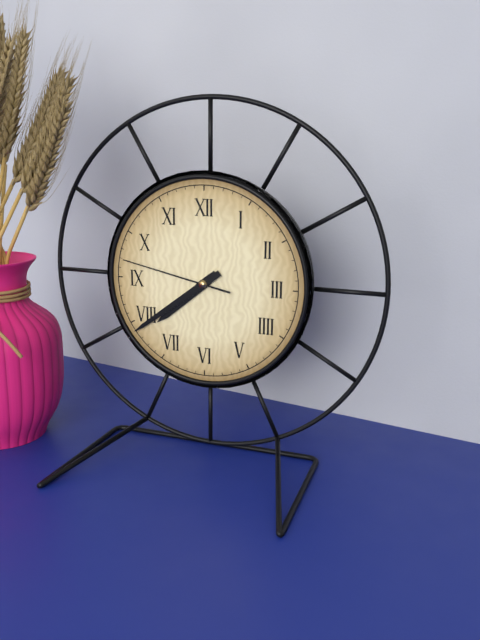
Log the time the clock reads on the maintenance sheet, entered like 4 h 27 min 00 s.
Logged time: 7 h 39 min 47 s
